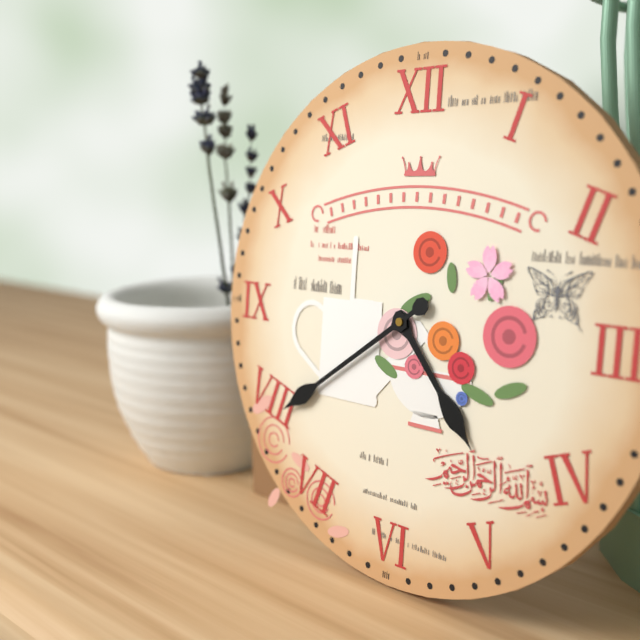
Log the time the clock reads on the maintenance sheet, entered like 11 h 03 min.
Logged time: 4 h 39 min
